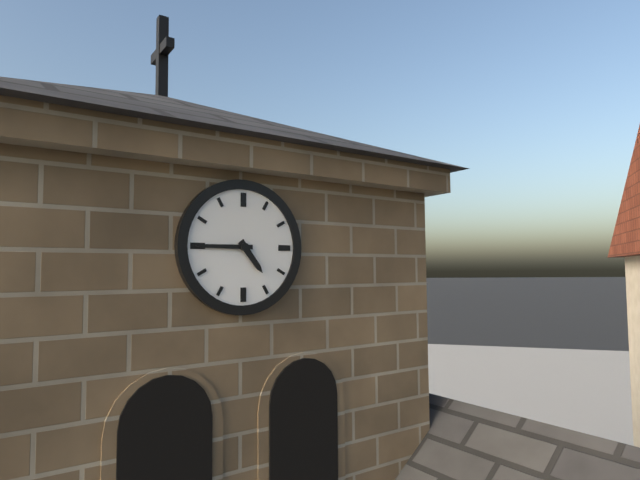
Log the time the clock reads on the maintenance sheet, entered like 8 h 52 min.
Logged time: 4 h 45 min
